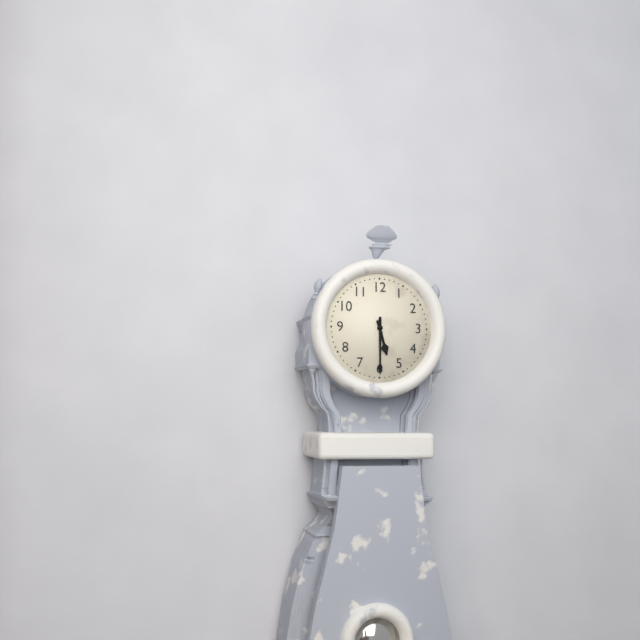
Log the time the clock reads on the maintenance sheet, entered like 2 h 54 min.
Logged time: 5 h 30 min
